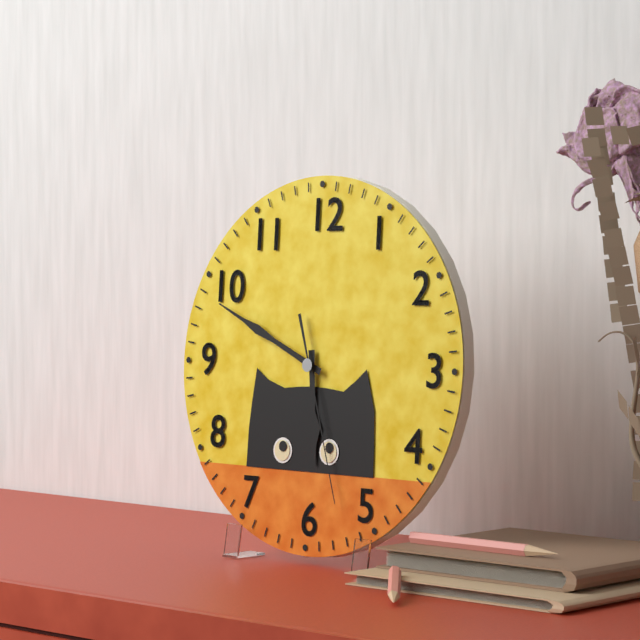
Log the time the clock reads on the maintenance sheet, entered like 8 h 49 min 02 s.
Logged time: 5 h 49 min 27 s
